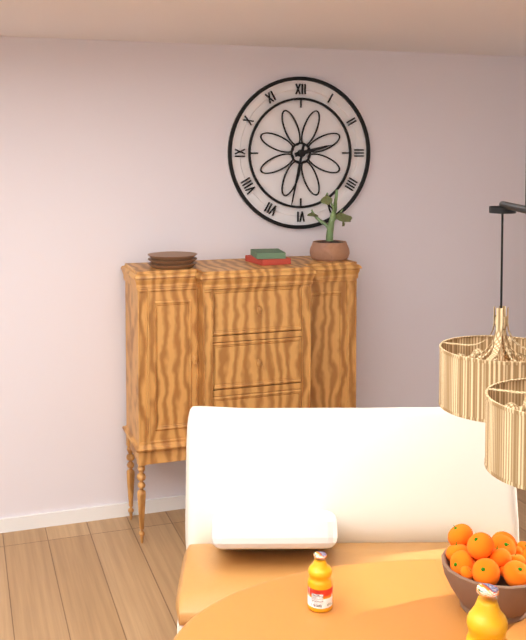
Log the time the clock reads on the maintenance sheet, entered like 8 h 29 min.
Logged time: 2 h 32 min
